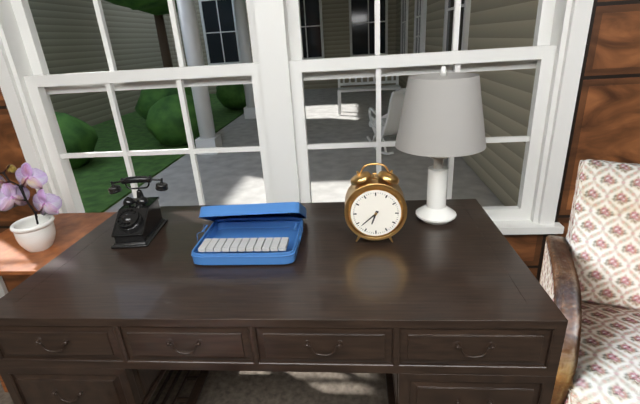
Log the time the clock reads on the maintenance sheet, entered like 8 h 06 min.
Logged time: 6 h 38 min
